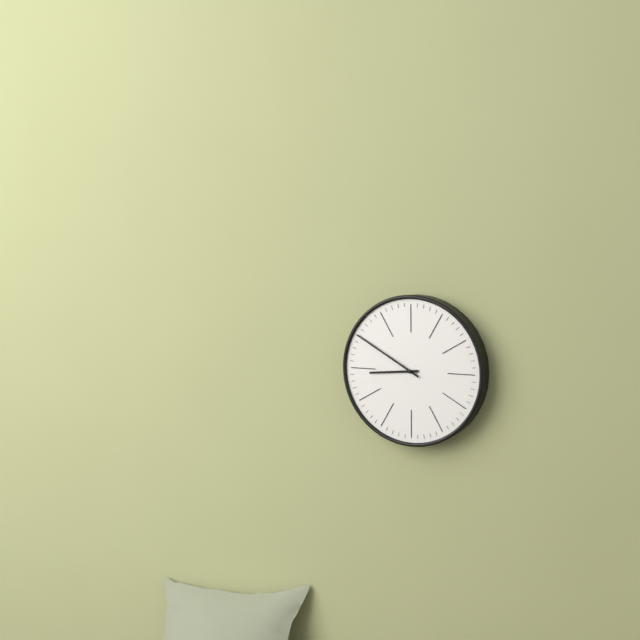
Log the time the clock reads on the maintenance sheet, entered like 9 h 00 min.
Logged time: 8 h 50 min
